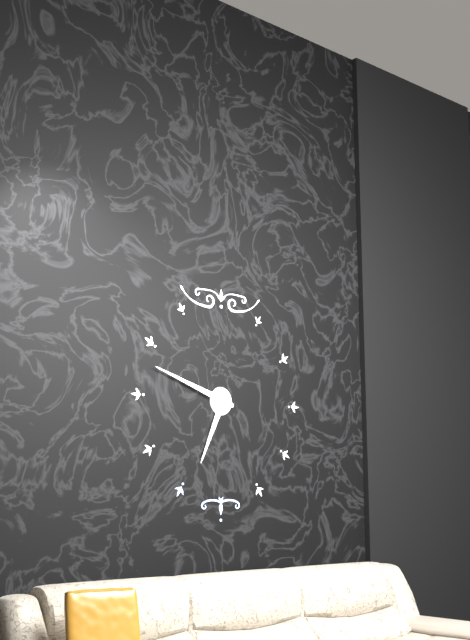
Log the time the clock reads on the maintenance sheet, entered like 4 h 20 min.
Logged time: 6 h 48 min
